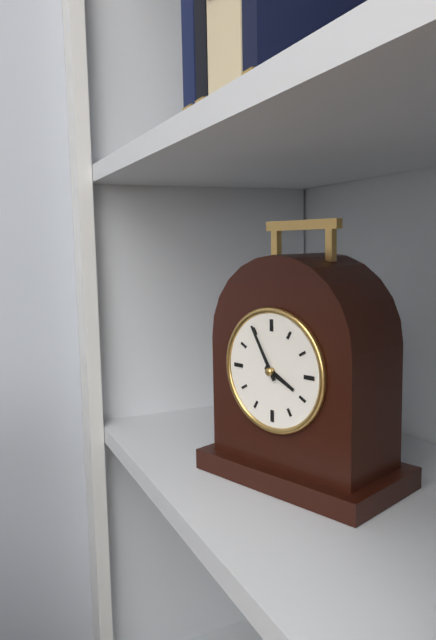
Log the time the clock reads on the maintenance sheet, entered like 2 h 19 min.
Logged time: 3 h 55 min
